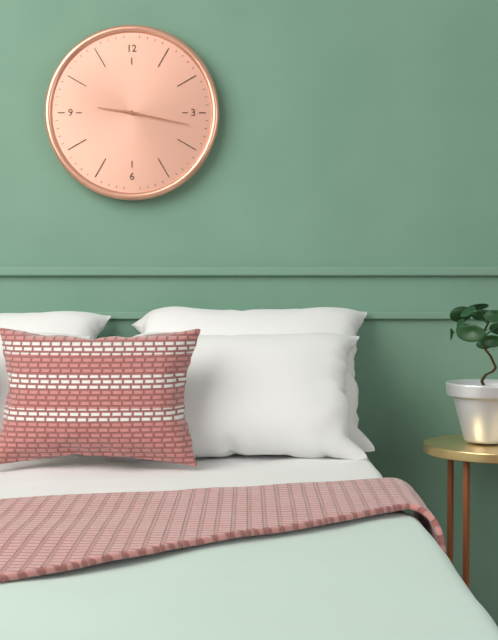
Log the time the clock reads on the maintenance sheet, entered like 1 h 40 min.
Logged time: 9 h 17 min
